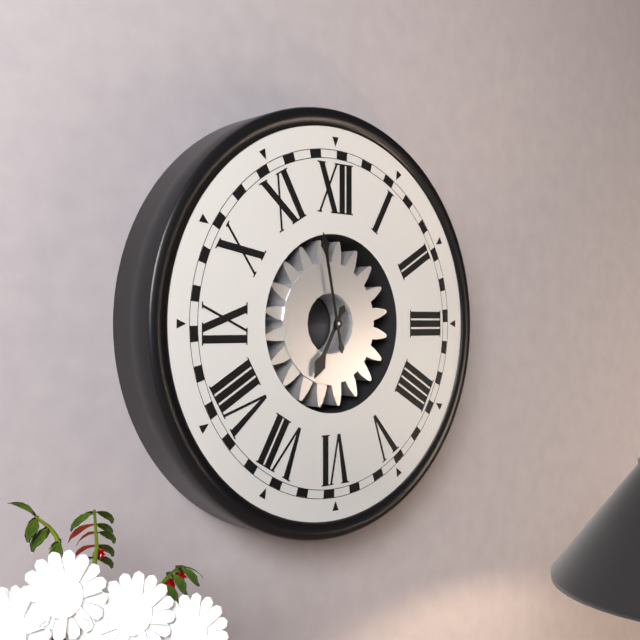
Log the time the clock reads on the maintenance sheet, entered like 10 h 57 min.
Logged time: 6 h 58 min
